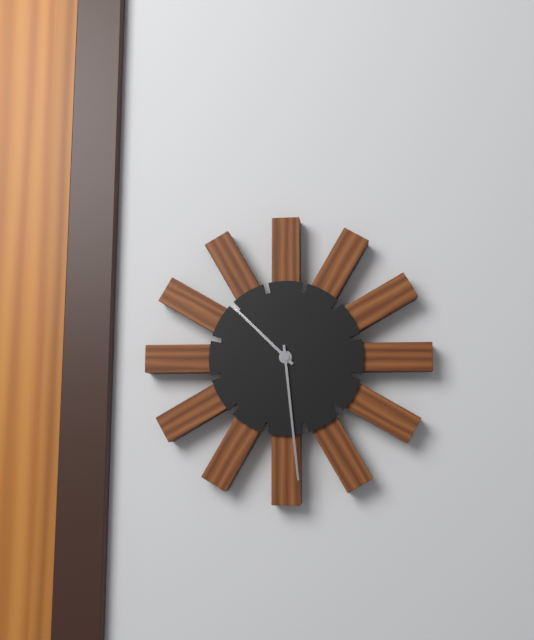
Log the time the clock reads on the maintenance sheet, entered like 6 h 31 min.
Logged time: 10 h 29 min
